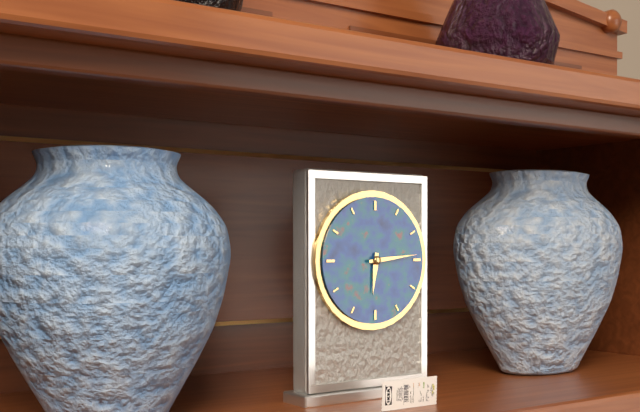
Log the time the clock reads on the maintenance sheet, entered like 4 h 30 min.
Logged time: 6 h 14 min
